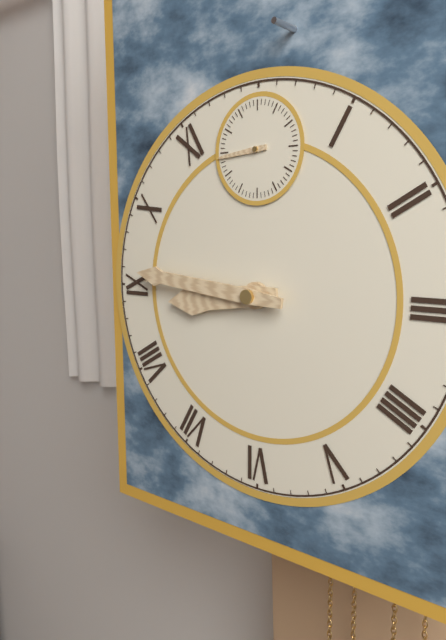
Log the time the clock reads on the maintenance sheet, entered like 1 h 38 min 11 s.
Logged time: 8 h 46 min 44 s
